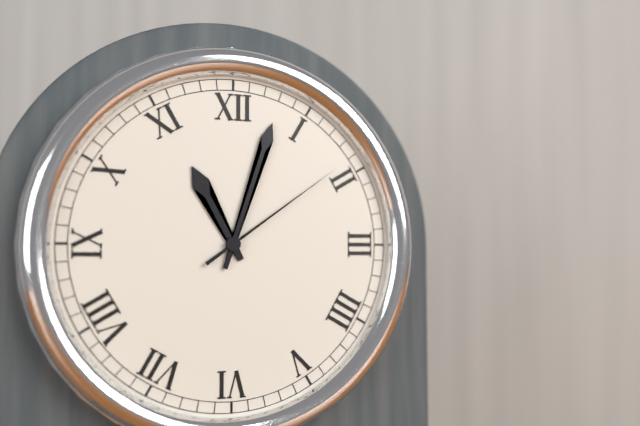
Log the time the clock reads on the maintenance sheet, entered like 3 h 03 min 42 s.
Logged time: 11 h 03 min 09 s
